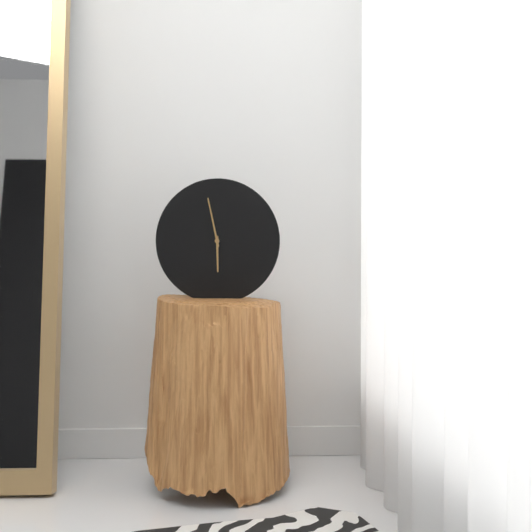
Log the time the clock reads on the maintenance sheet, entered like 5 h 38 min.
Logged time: 5 h 58 min
